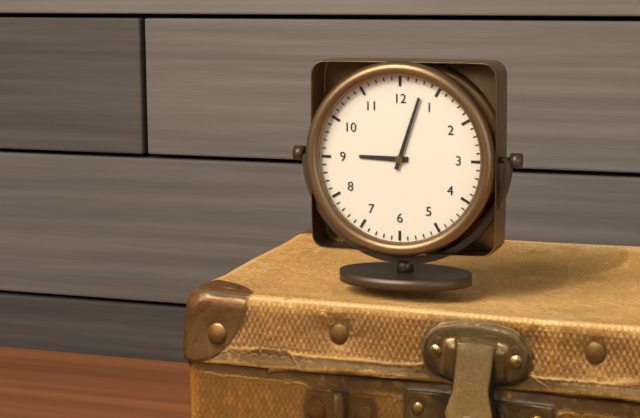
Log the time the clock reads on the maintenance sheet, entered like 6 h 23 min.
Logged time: 9 h 03 min
